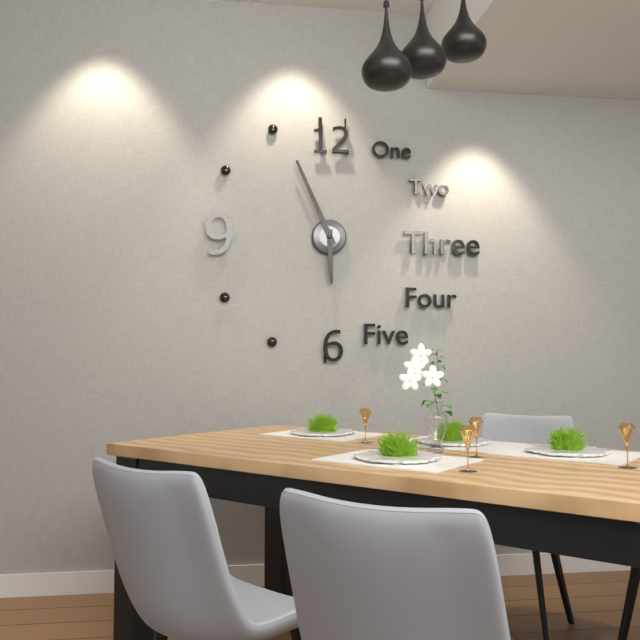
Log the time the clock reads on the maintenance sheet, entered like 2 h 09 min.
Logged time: 5 h 56 min
